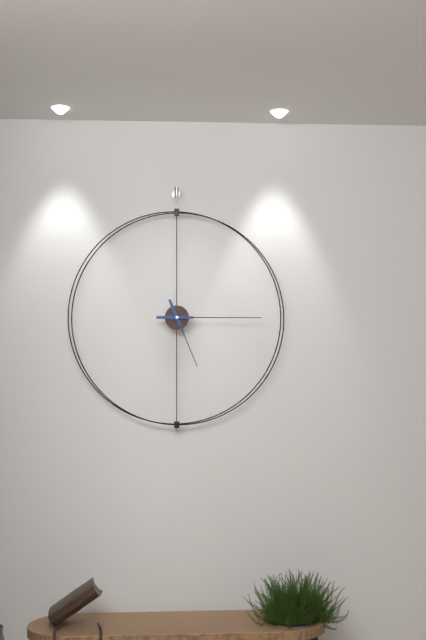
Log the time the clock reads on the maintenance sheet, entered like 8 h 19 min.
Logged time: 5 h 15 min
